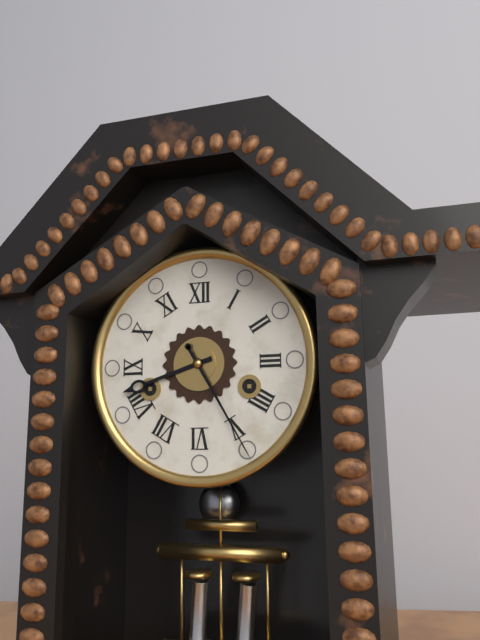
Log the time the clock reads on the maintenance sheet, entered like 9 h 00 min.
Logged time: 8 h 25 min
